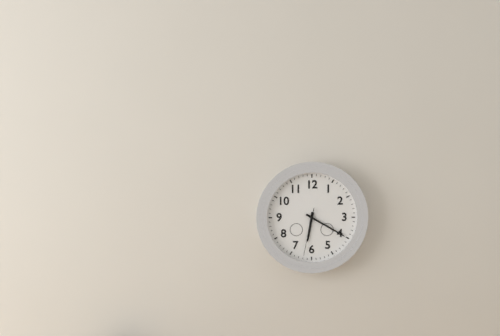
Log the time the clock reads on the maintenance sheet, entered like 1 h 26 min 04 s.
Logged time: 6 h 20 min 32 s
